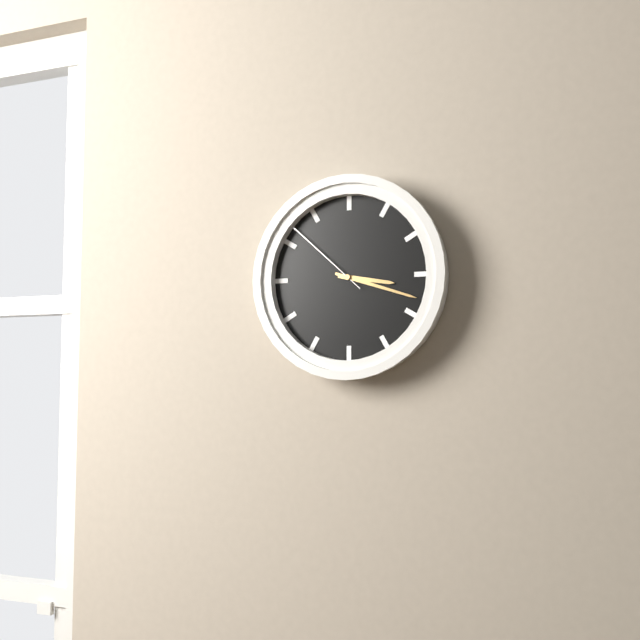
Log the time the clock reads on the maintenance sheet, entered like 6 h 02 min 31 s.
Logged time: 3 h 18 min 52 s
